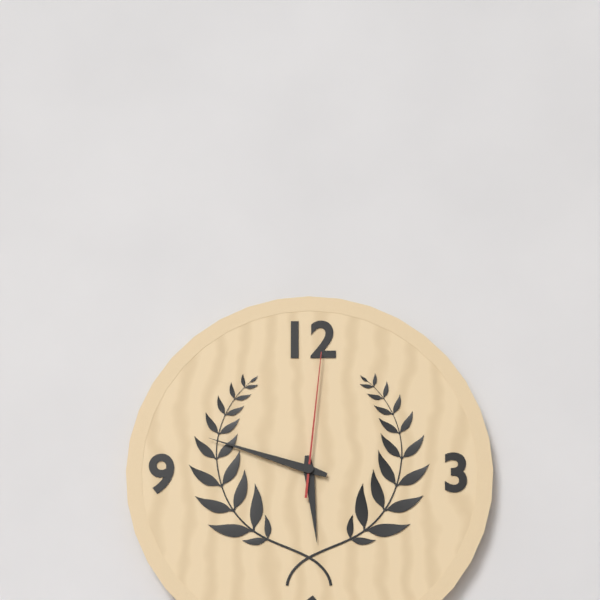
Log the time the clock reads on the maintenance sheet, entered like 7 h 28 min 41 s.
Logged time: 5 h 48 min 01 s
